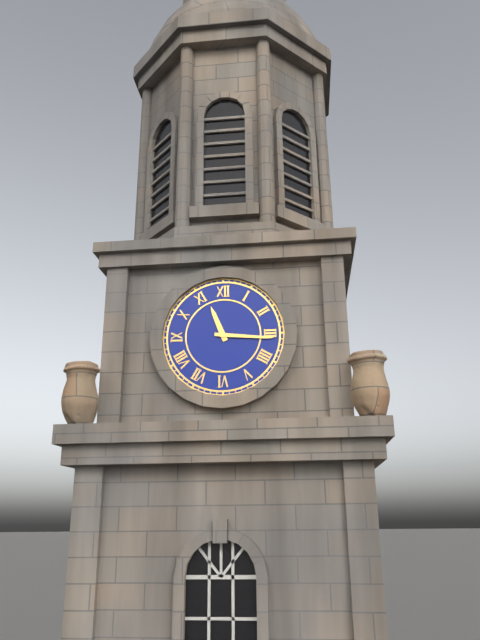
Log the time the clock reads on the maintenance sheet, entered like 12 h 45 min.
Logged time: 11 h 16 min
